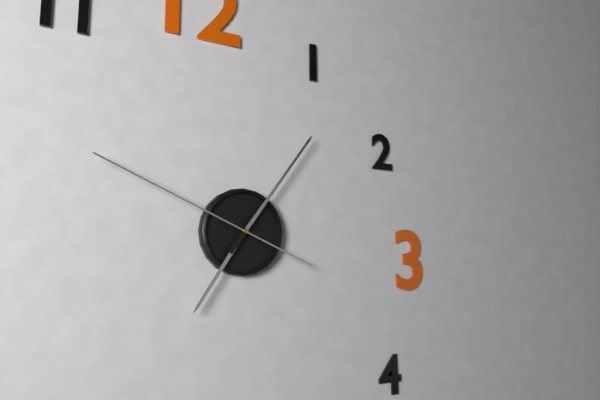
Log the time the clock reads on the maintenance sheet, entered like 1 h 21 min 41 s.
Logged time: 7 h 06 min 49 s
